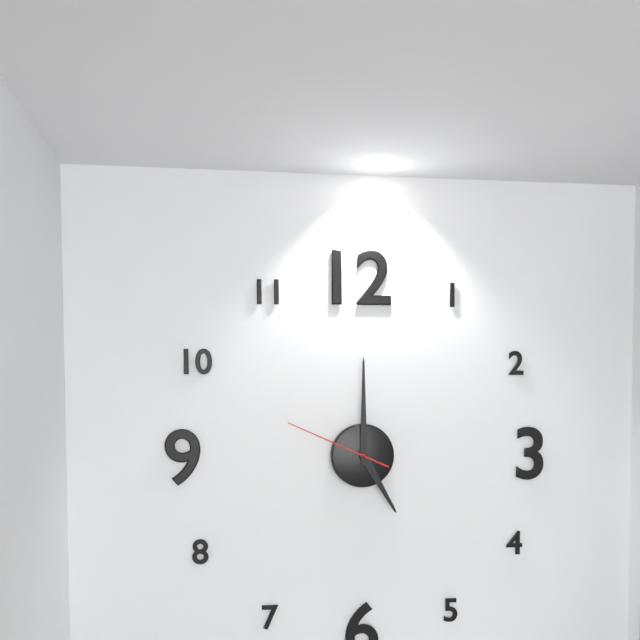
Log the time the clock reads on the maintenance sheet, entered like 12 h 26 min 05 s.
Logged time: 5 h 00 min 49 s
